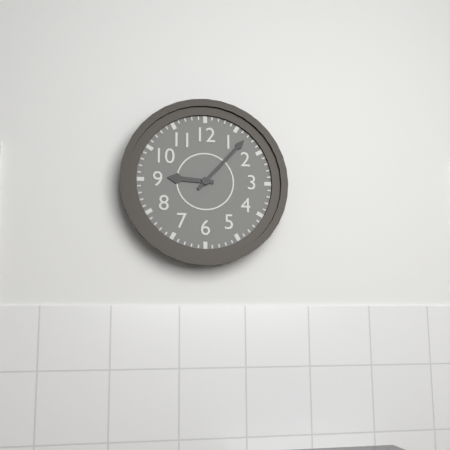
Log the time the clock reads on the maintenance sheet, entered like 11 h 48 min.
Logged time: 9 h 07 min
